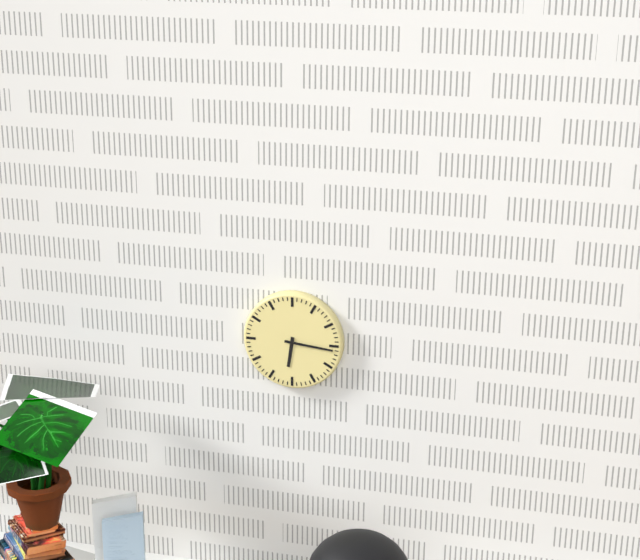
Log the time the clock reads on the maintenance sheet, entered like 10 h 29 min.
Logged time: 6 h 16 min
